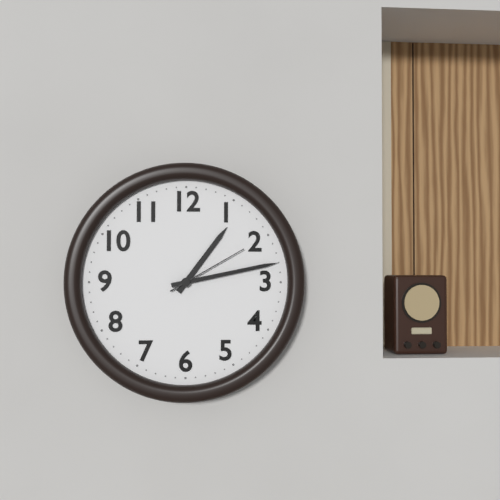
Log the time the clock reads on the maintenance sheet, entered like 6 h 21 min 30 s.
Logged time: 1 h 13 min 10 s
